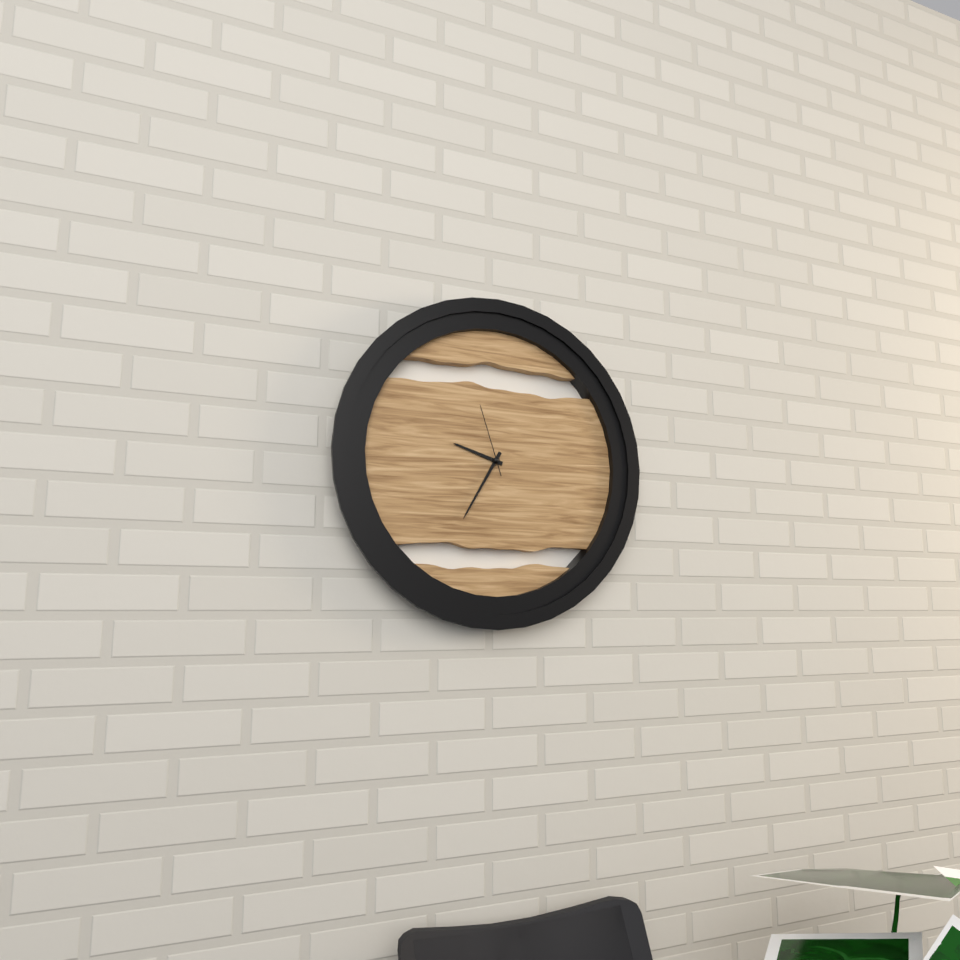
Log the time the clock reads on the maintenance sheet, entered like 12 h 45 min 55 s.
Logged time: 9 h 35 min 57 s
